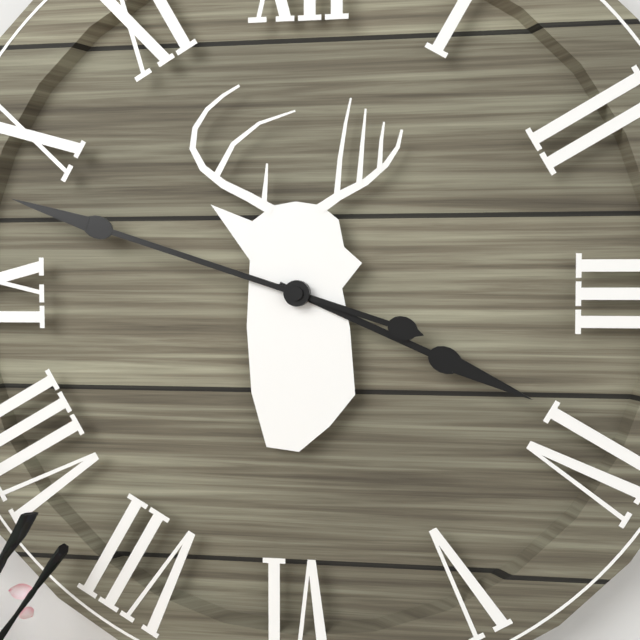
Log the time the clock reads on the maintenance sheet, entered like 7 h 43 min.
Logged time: 3 h 48 min
